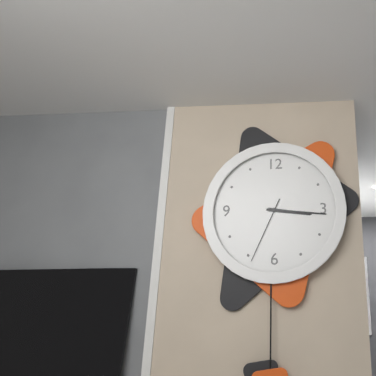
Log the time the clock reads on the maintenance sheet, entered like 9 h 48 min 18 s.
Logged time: 3 h 16 min 34 s
